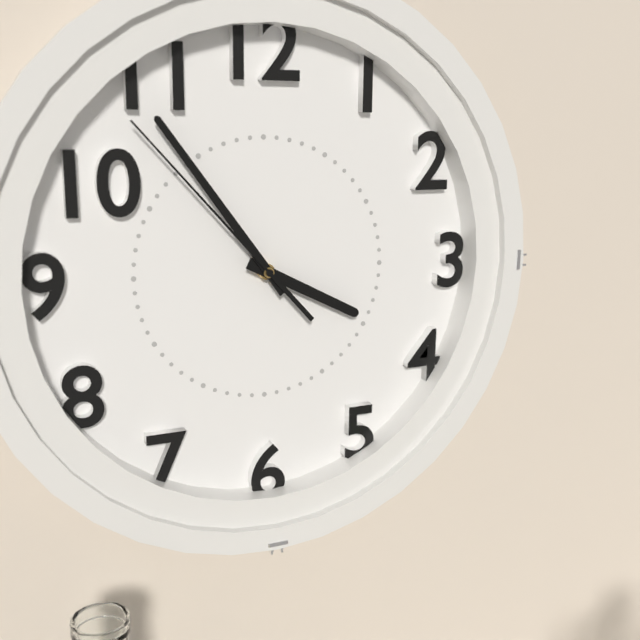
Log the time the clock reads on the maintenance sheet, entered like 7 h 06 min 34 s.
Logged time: 3 h 54 min 53 s
